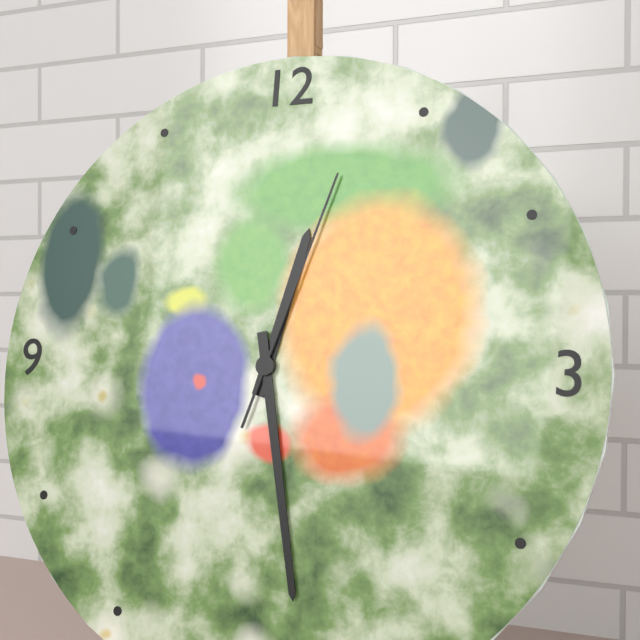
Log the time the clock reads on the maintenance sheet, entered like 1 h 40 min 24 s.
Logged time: 12 h 28 min 03 s
